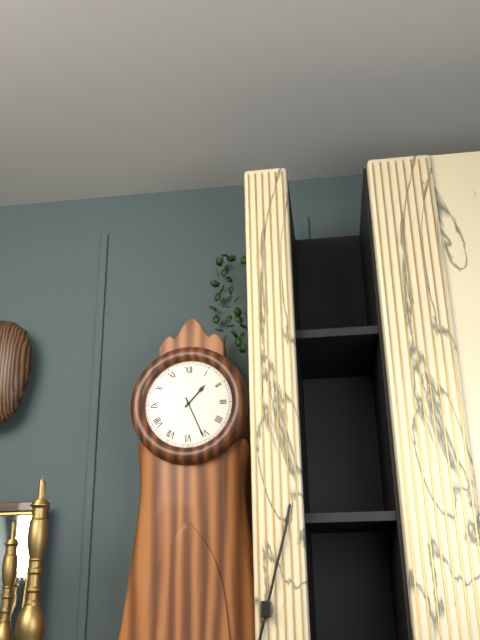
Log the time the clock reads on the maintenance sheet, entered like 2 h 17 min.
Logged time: 1 h 26 min
